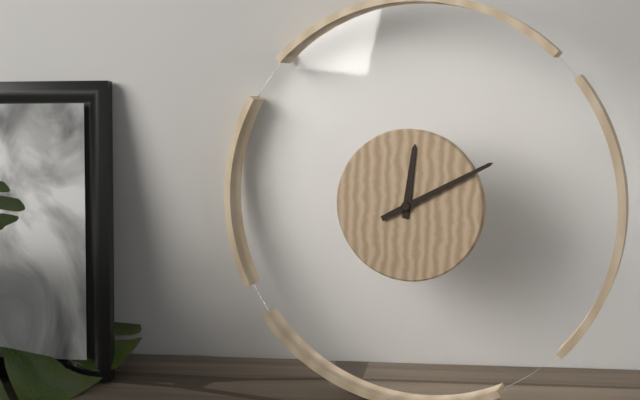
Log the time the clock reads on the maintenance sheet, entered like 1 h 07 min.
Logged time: 12 h 10 min
